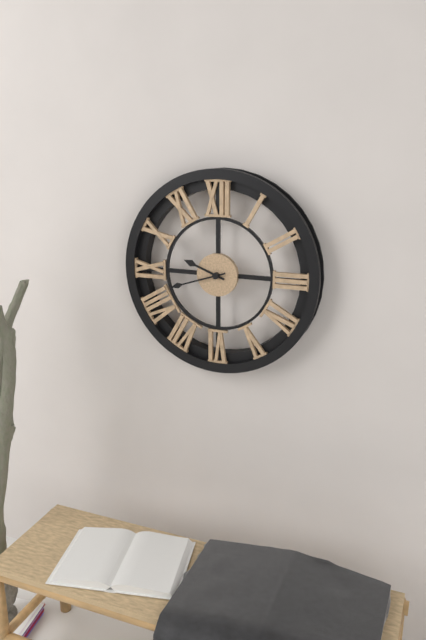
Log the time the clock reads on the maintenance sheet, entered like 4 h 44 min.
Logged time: 9 h 42 min
